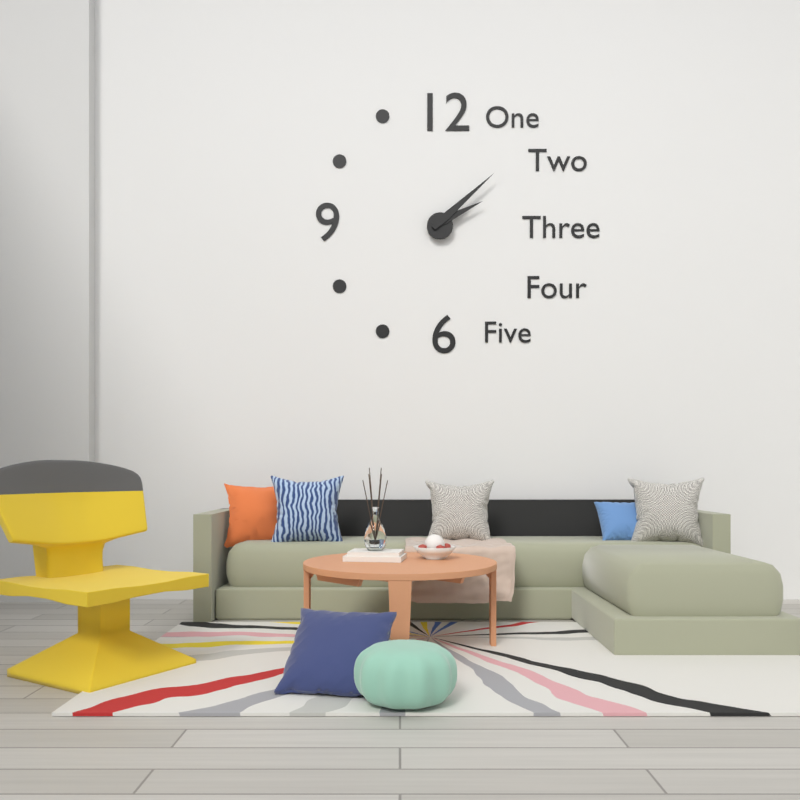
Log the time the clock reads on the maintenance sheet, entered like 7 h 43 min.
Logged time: 2 h 08 min
